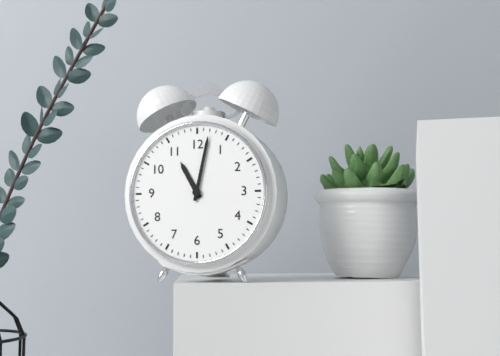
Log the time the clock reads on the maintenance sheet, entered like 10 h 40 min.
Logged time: 11 h 02 min
